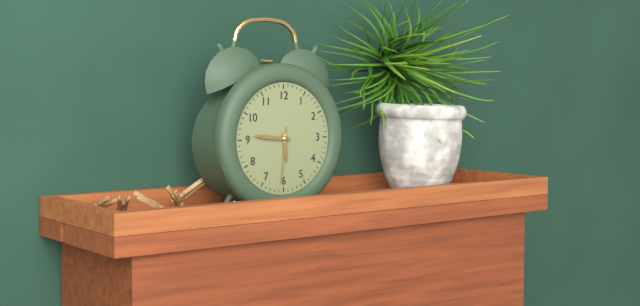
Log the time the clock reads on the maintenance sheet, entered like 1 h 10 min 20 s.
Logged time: 5 h 46 min 31 s
